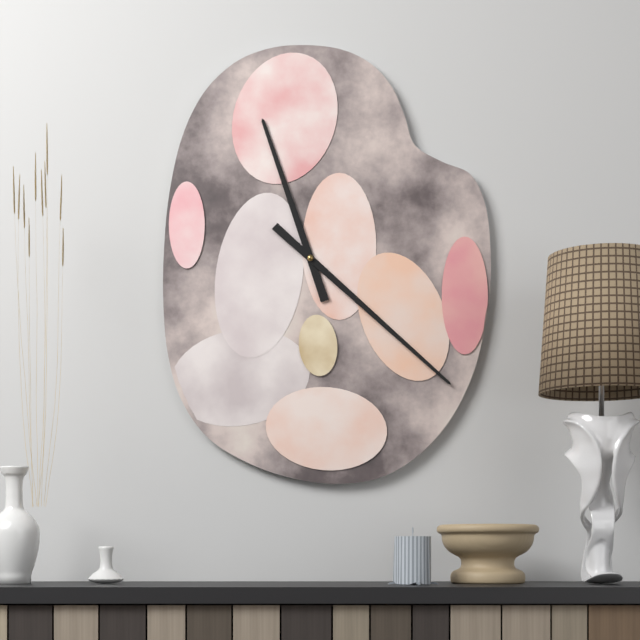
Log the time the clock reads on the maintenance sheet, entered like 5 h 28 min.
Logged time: 11 h 22 min
